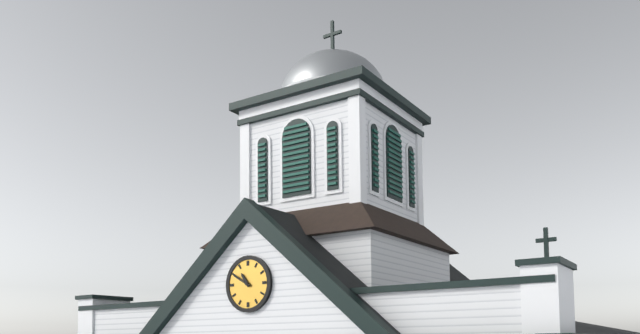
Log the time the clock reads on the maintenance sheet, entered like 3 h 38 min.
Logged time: 10 h 50 min
